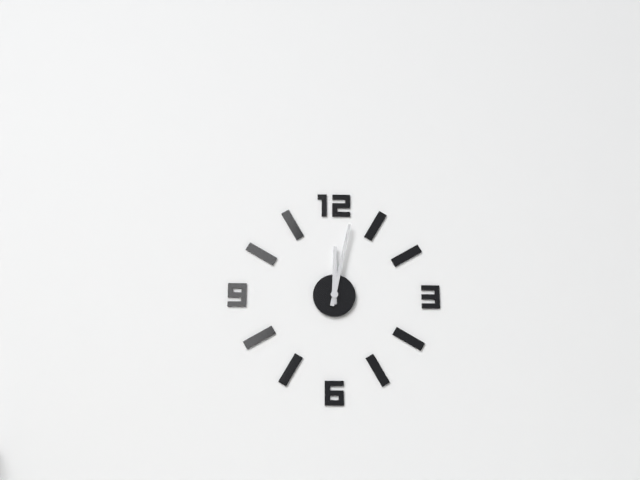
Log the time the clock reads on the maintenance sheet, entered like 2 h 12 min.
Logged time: 12 h 02 min
